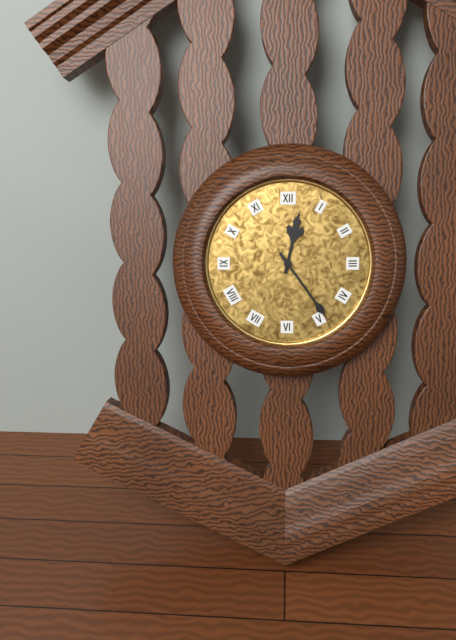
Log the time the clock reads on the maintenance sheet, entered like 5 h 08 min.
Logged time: 12 h 24 min
